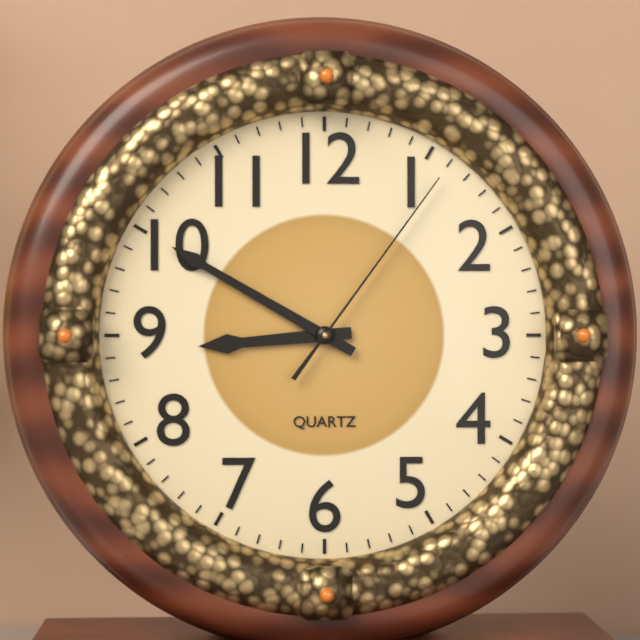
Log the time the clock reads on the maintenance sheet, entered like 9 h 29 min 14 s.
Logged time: 8 h 50 min 06 s
